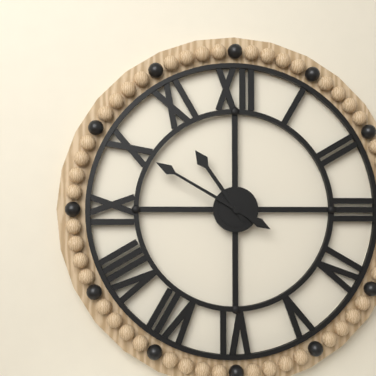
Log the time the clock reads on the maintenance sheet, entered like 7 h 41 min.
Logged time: 10 h 50 min
